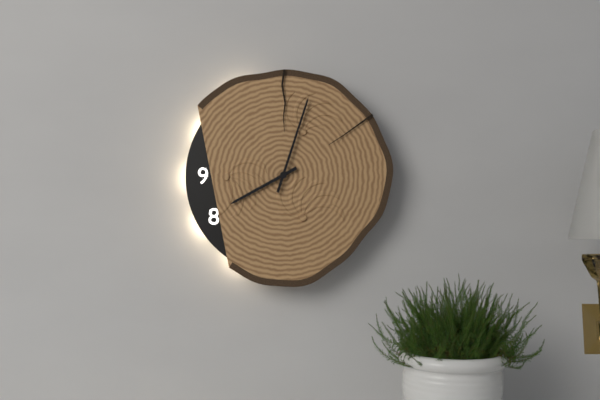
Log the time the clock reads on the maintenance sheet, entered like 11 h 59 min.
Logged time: 8 h 03 min
